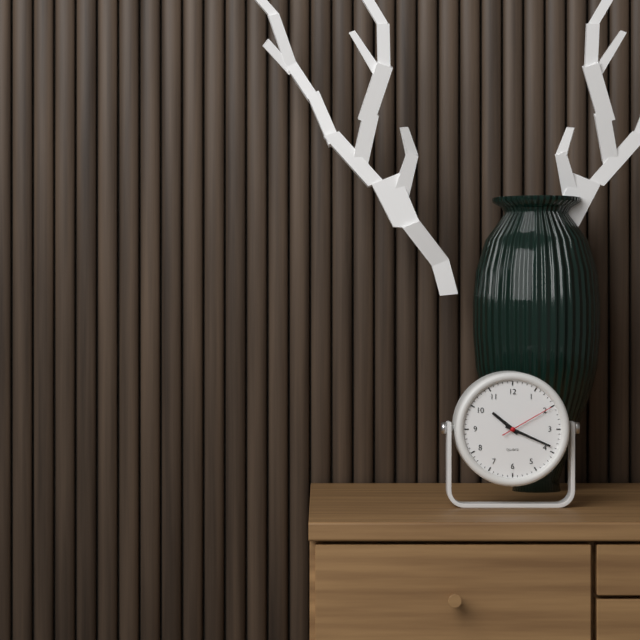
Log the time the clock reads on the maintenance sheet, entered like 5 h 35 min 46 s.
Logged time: 10 h 19 min 10 s
